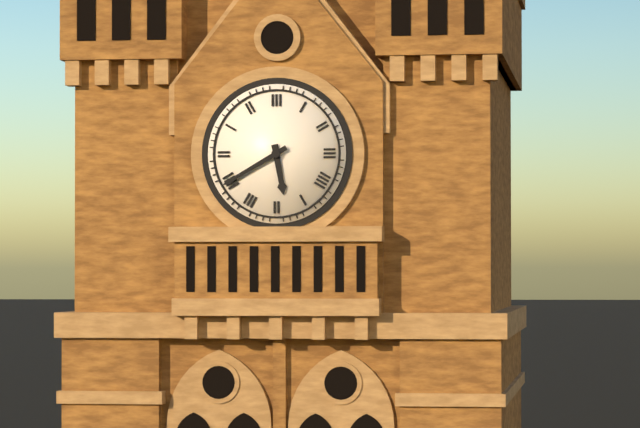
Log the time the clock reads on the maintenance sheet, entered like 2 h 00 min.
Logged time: 5 h 40 min
